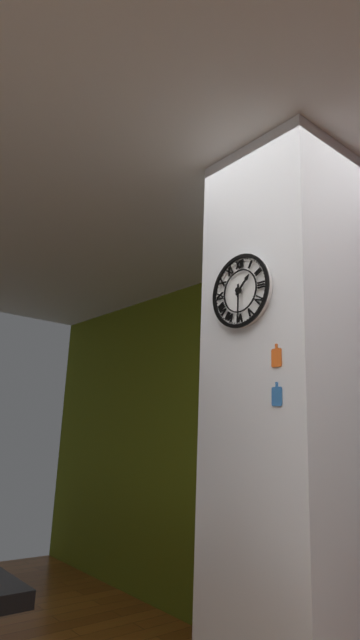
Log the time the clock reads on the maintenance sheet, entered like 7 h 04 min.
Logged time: 1 h 30 min
